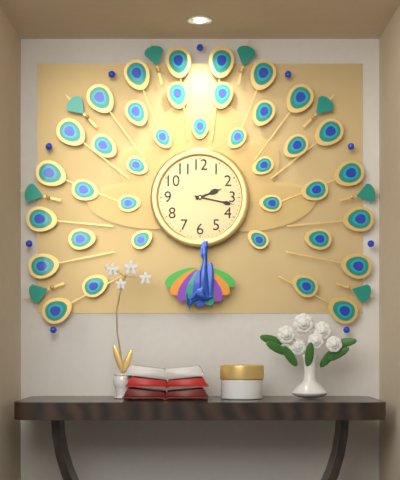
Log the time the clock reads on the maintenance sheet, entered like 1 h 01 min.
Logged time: 2 h 17 min
